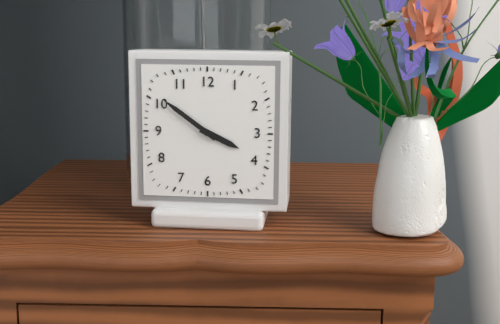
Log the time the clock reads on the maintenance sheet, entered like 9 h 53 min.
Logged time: 3 h 51 min
